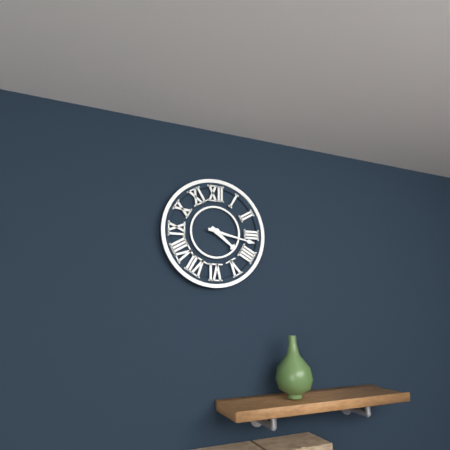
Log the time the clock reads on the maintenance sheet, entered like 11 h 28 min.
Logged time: 4 h 17 min
